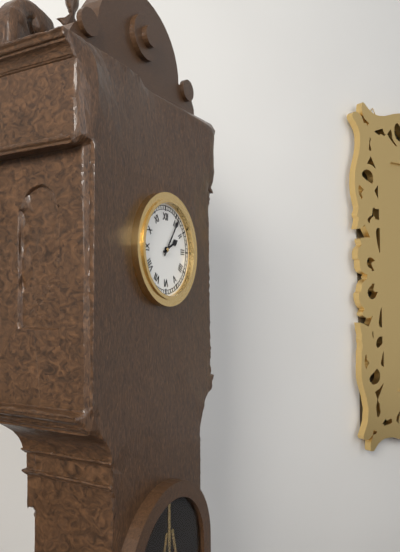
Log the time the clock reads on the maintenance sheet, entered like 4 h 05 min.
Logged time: 2 h 06 min
